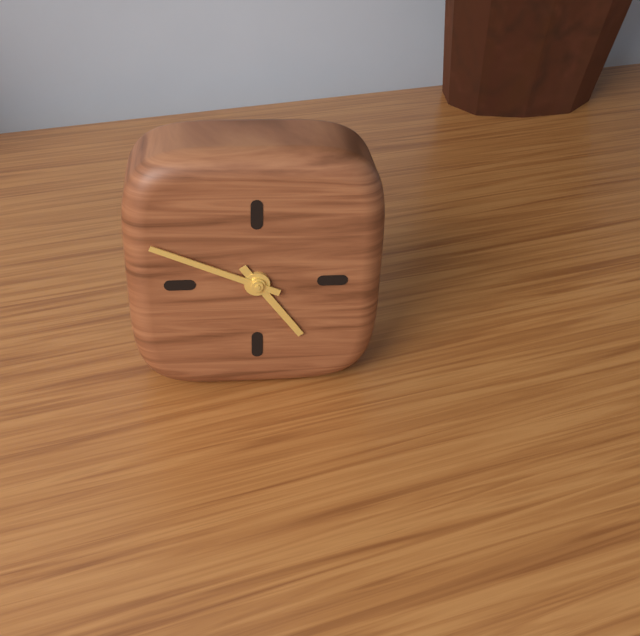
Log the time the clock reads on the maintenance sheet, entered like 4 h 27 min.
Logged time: 4 h 49 min
